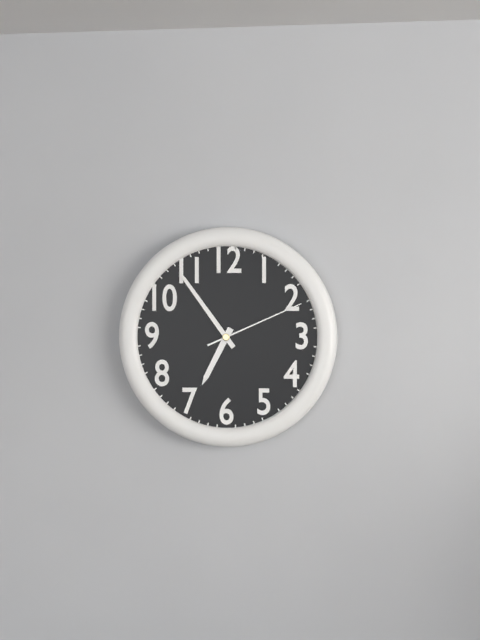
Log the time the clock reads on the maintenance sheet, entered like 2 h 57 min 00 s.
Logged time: 6 h 54 min 11 s
